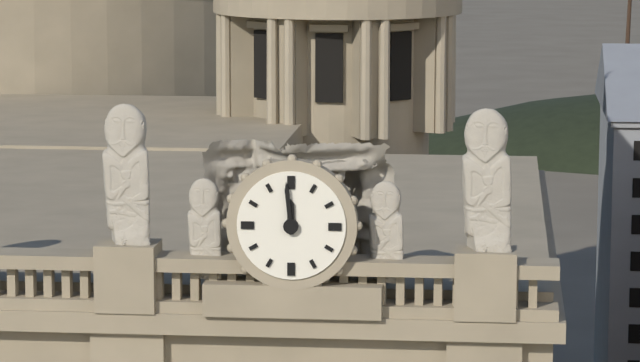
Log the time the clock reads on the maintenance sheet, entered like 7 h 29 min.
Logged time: 11 h 59 min
